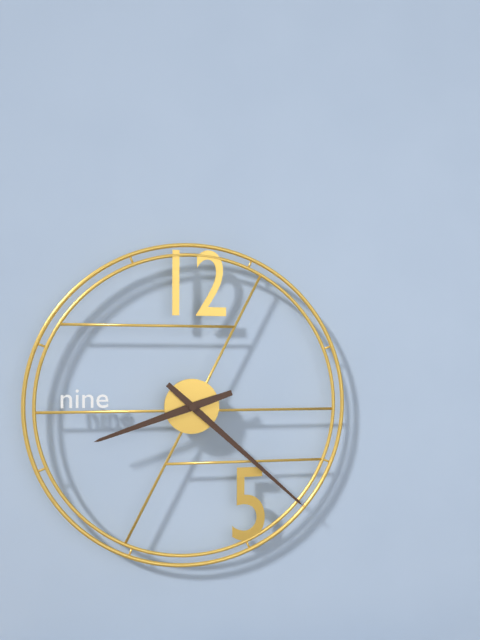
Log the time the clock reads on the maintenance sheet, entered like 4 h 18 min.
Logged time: 8 h 22 min
